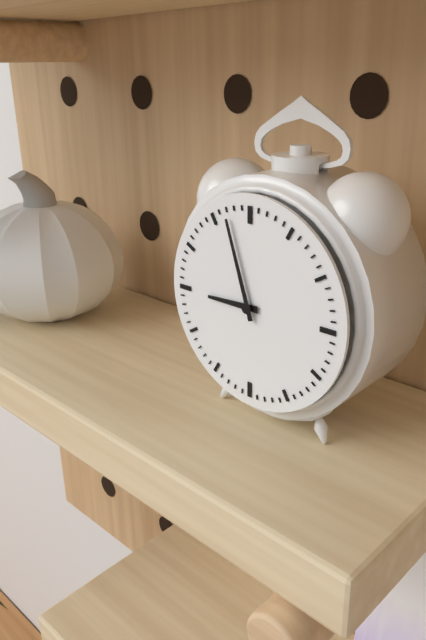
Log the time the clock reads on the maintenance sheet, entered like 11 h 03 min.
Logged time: 8 h 57 min
